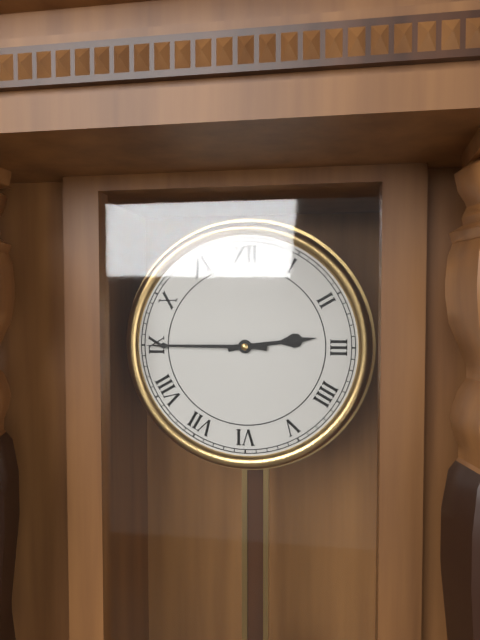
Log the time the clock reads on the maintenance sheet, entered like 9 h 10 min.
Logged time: 2 h 45 min
